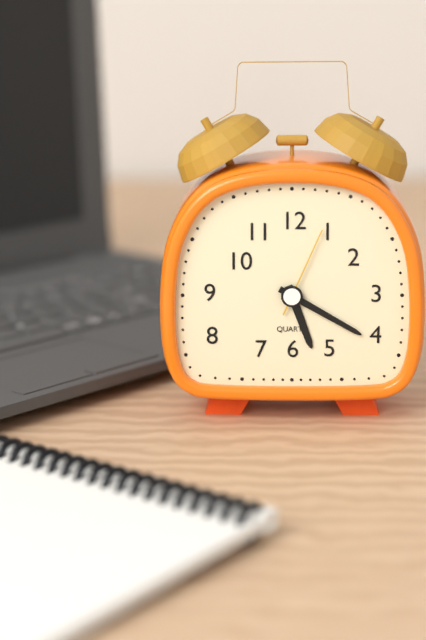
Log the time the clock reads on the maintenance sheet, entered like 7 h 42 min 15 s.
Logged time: 5 h 20 min 04 s
